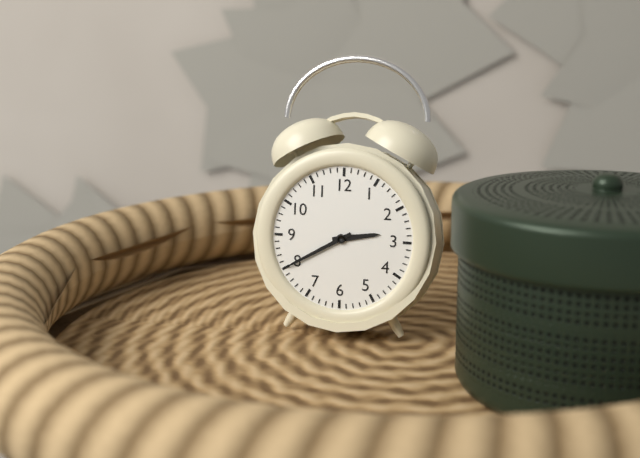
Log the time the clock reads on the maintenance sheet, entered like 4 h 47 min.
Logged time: 2 h 40 min
